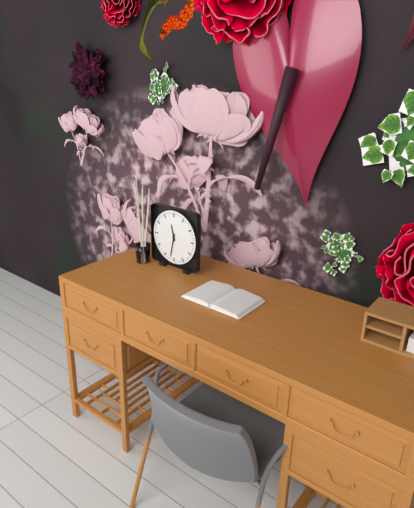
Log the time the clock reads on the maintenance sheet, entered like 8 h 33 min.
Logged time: 11 h 32 min
